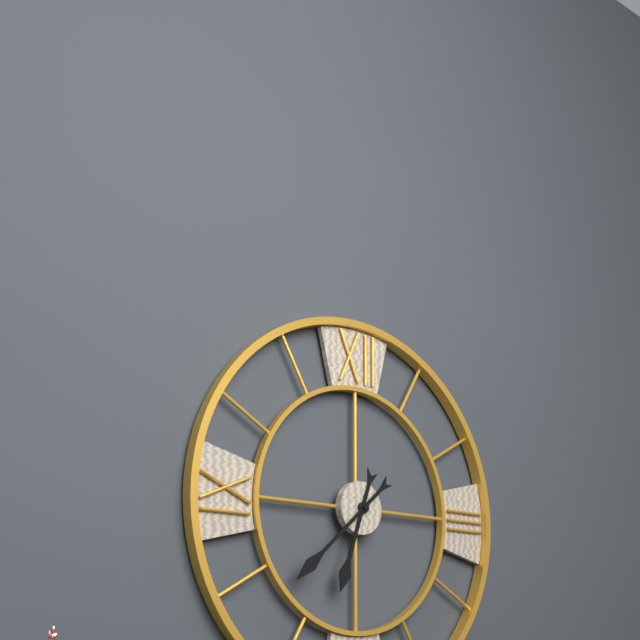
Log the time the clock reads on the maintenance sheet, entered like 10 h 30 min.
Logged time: 6 h 38 min
